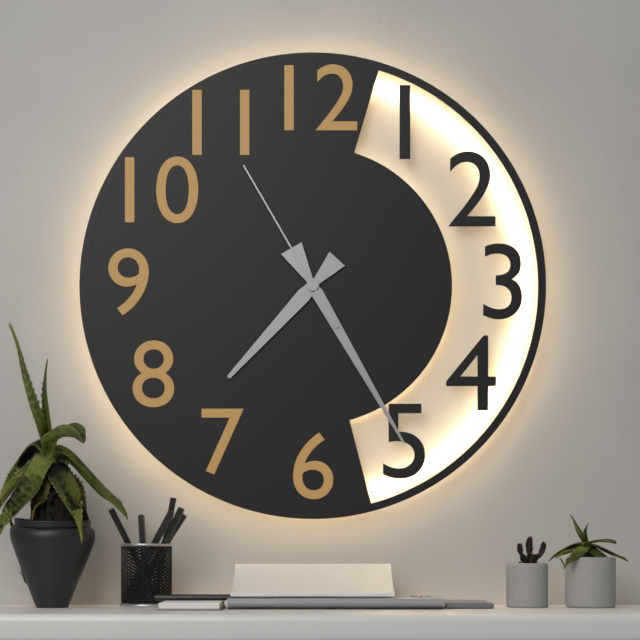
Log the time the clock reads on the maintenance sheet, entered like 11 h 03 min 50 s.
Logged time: 7 h 25 min 55 s
